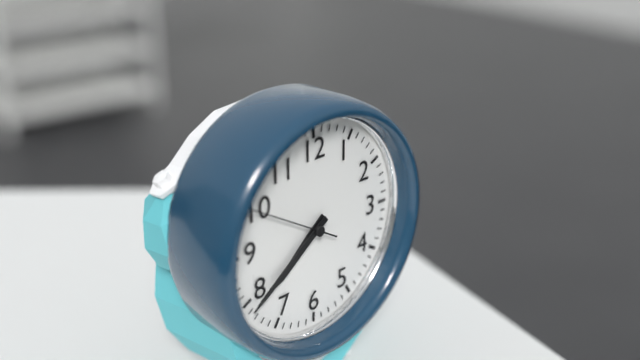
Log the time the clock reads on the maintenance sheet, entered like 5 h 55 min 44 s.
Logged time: 7 h 39 min 50 s
